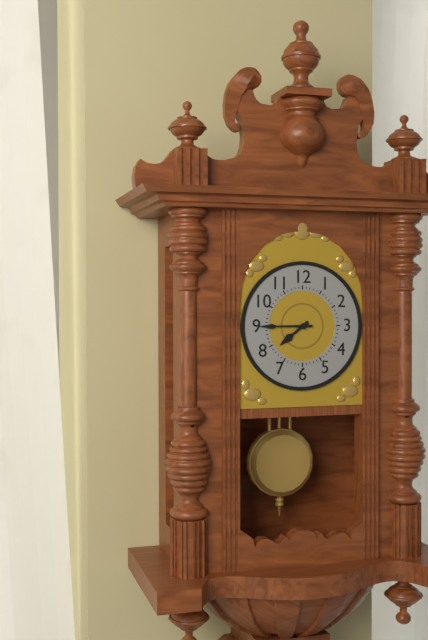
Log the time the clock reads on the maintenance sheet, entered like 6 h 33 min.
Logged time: 7 h 45 min
